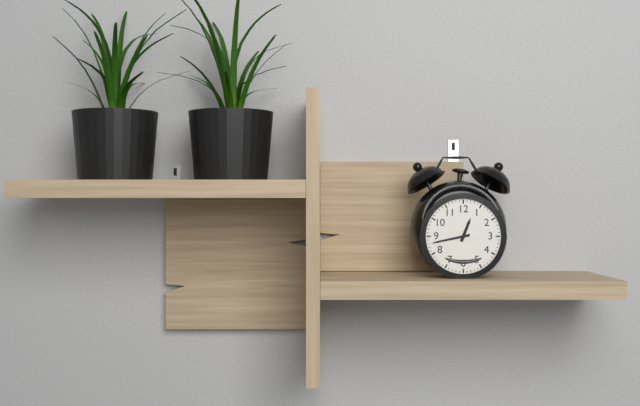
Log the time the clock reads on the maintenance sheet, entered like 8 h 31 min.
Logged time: 12 h 43 min
